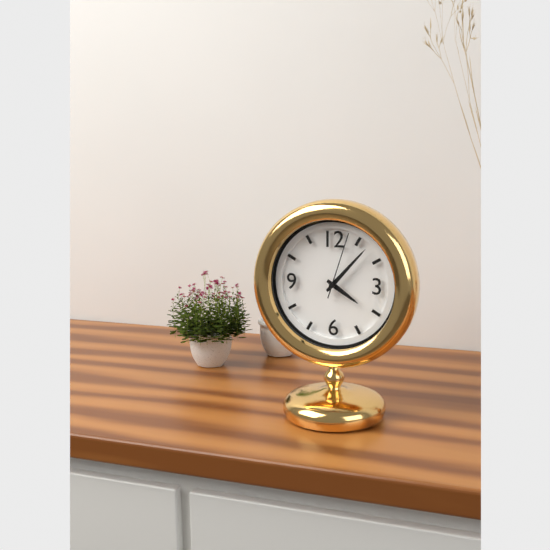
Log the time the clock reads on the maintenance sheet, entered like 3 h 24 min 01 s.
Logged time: 4 h 07 min 03 s
